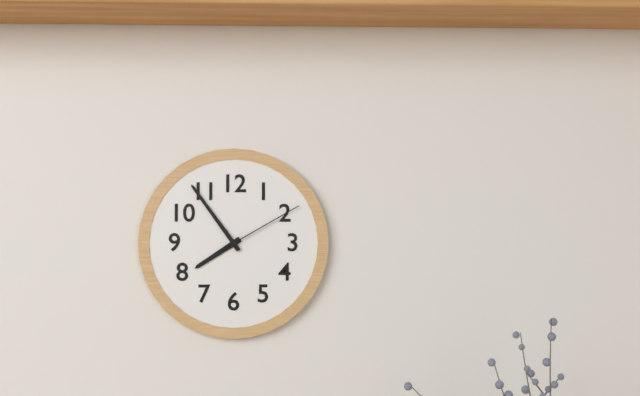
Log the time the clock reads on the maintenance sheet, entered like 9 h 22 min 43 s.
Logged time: 7 h 54 min 10 s
